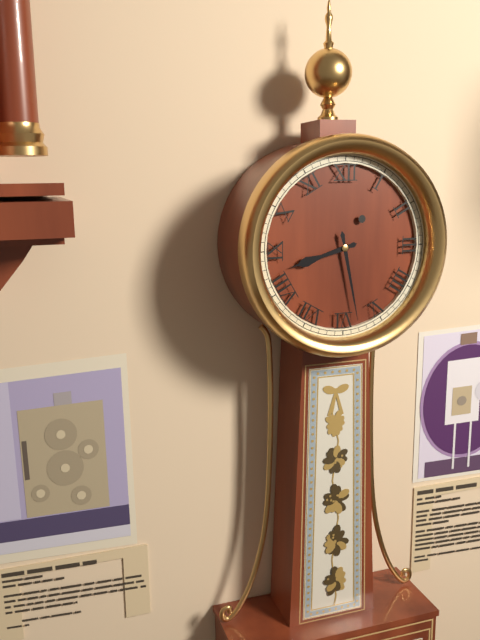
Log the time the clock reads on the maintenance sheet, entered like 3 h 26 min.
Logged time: 8 h 28 min
